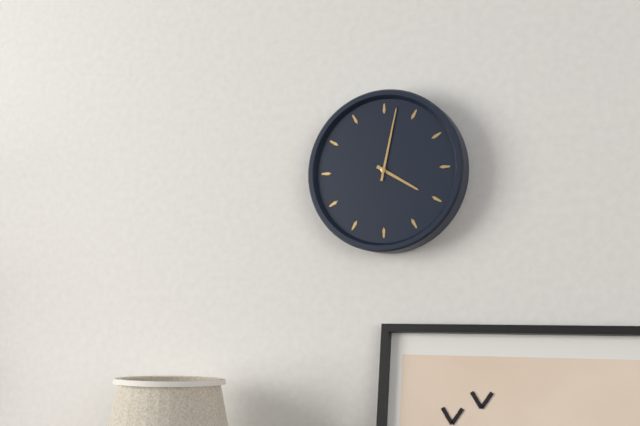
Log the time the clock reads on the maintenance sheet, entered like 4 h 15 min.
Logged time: 4 h 02 min
